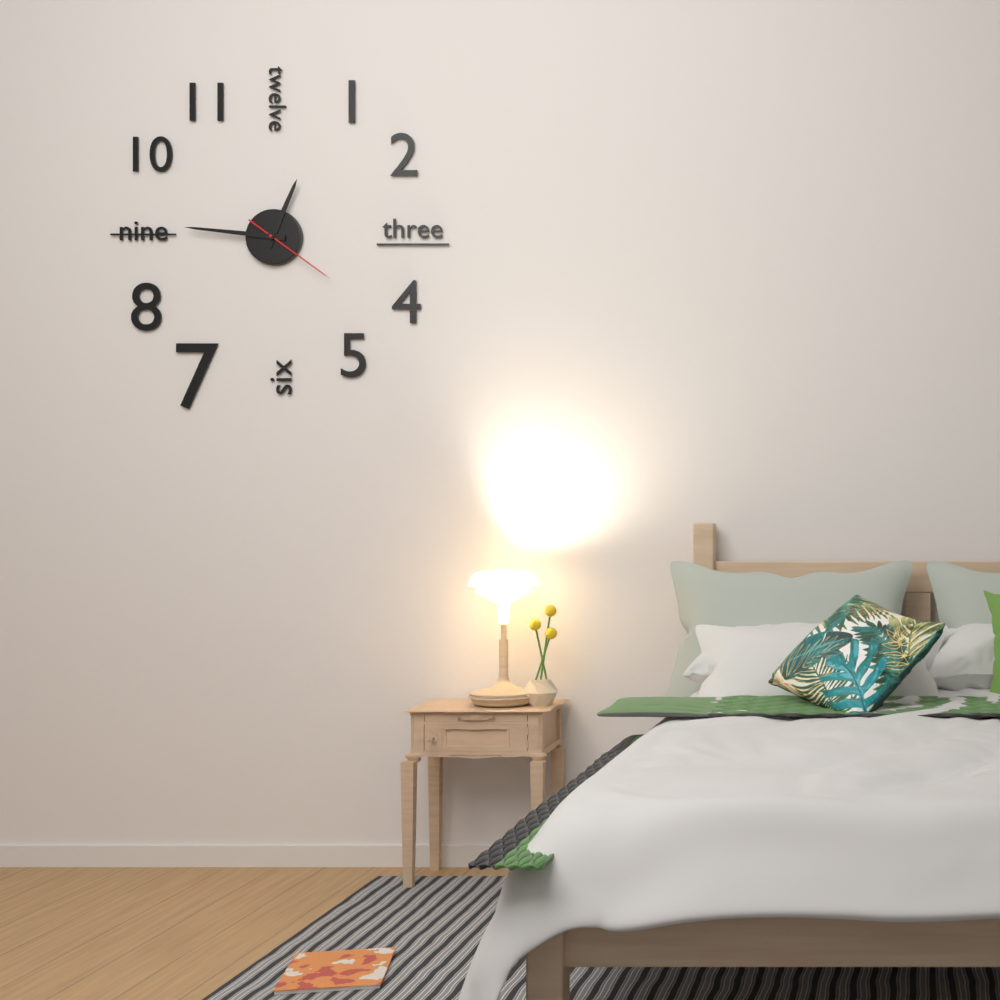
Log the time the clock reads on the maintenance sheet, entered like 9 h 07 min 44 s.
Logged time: 12 h 46 min 21 s
